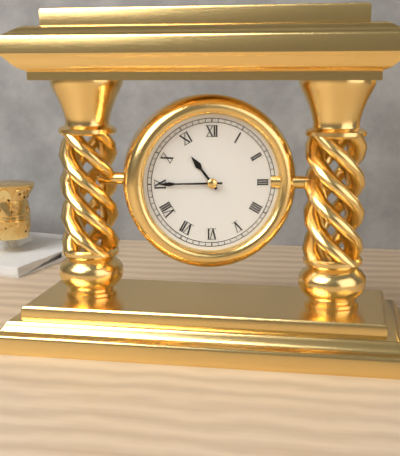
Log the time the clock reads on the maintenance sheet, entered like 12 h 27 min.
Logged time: 10 h 45 min
